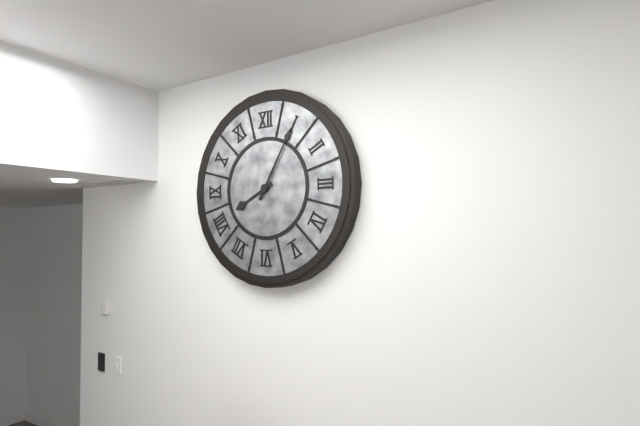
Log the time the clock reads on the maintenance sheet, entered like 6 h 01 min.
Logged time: 8 h 05 min
